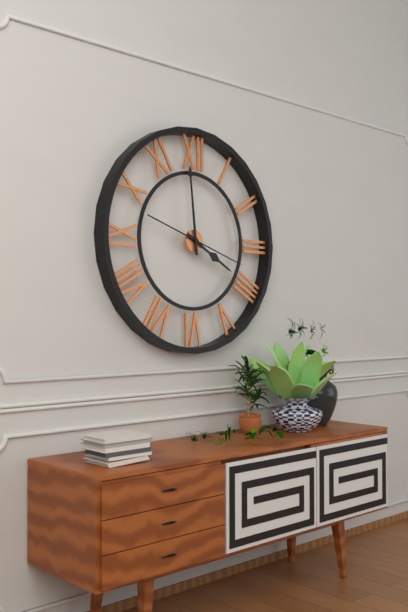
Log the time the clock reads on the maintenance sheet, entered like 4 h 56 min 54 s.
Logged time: 3 h 59 min 18 s
